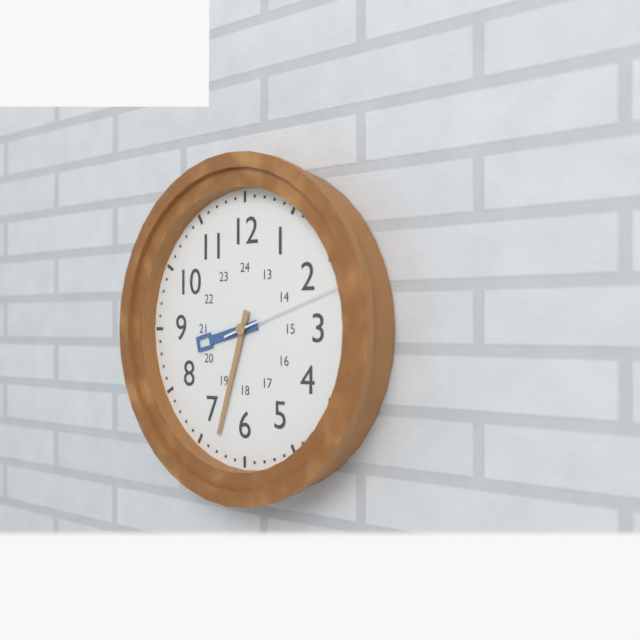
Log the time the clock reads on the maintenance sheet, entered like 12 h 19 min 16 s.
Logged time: 8 h 33 min 12 s
